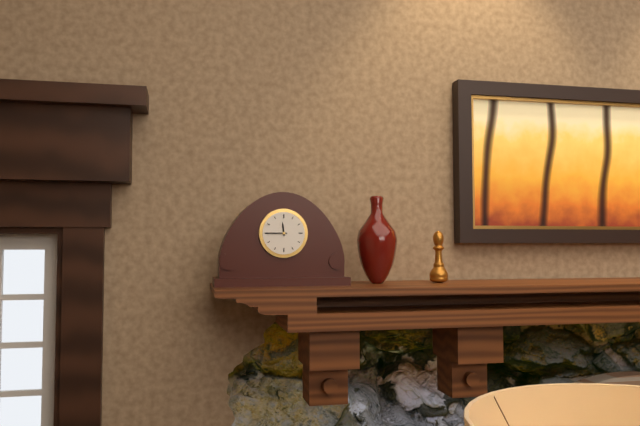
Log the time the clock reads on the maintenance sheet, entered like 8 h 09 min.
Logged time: 11 h 45 min
